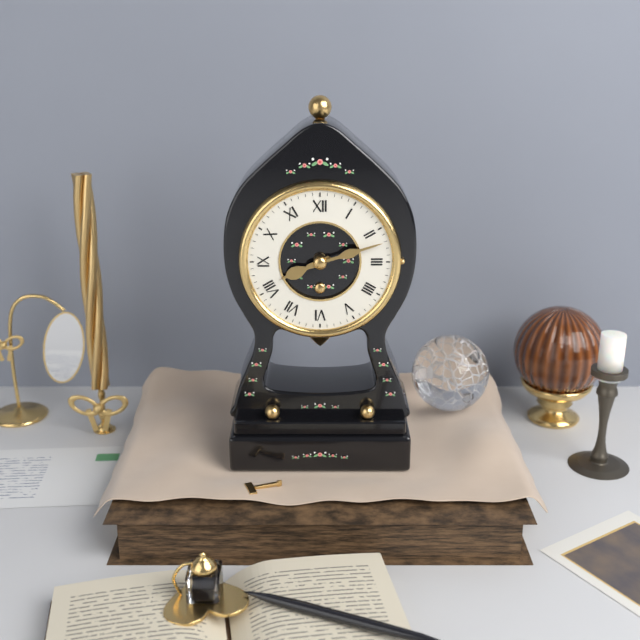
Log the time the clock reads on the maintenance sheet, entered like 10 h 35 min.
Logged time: 8 h 12 min
